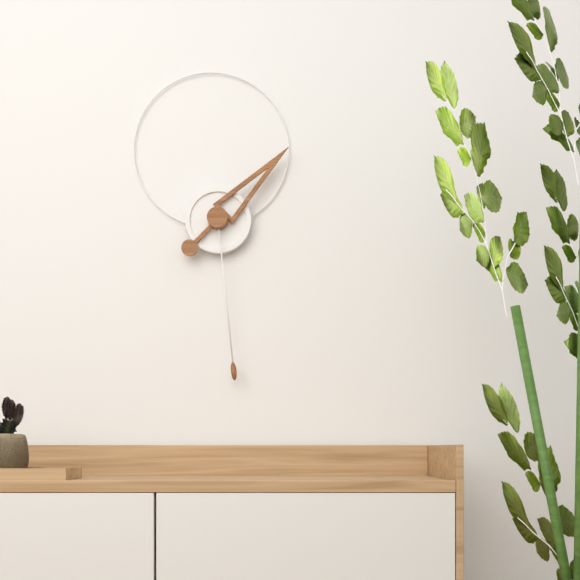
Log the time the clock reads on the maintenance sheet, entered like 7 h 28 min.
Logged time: 1 h 29 min
